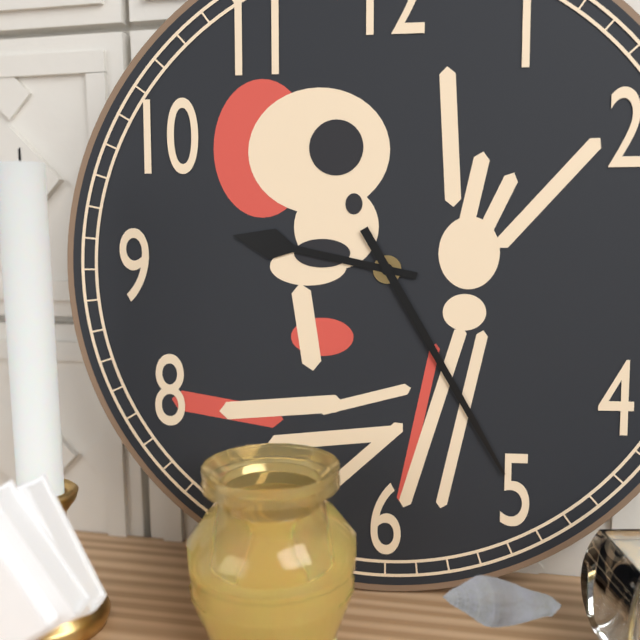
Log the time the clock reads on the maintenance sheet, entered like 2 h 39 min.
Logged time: 9 h 25 min
